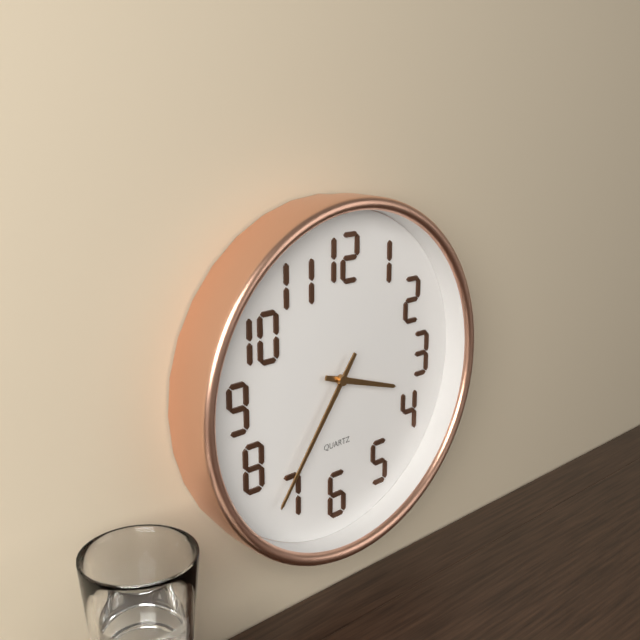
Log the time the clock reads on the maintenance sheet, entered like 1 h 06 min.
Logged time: 3 h 36 min
